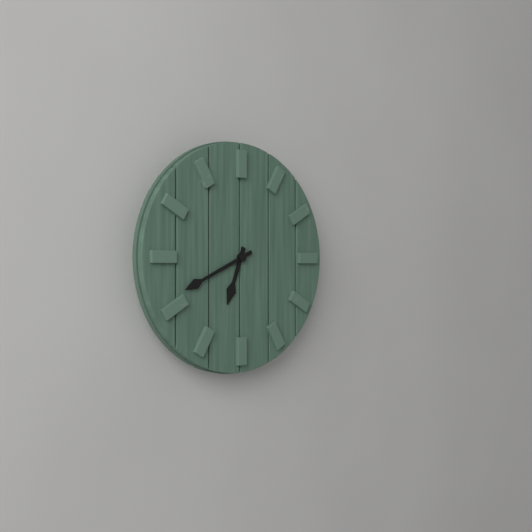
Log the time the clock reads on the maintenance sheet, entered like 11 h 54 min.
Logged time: 6 h 41 min
